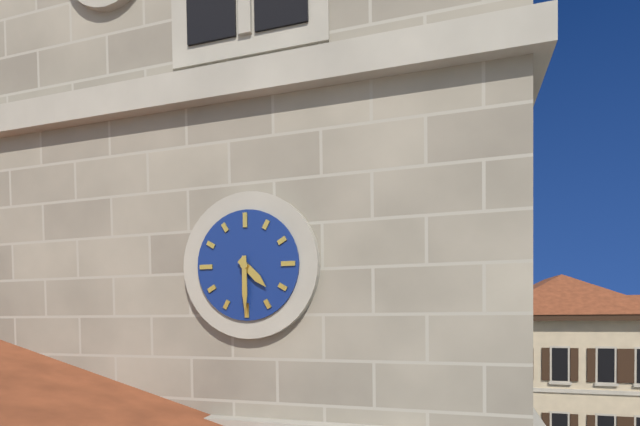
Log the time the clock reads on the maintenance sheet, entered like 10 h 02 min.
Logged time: 4 h 30 min
